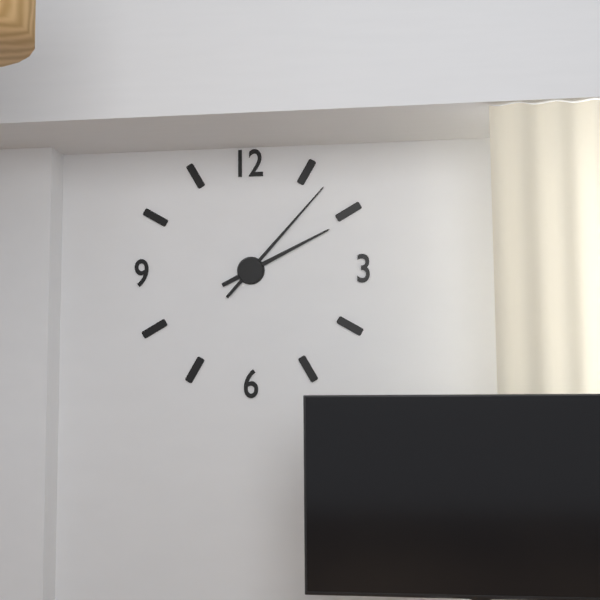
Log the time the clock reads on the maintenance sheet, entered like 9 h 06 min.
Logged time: 2 h 07 min
